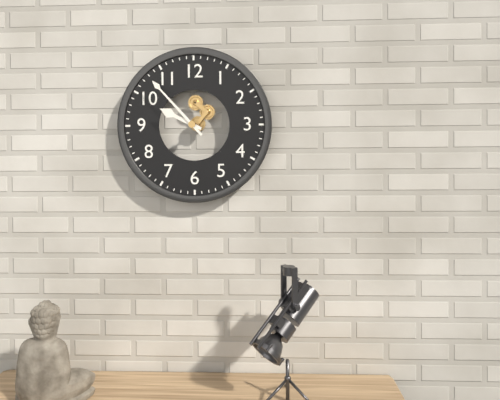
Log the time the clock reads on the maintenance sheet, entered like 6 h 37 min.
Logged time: 9 h 53 min
